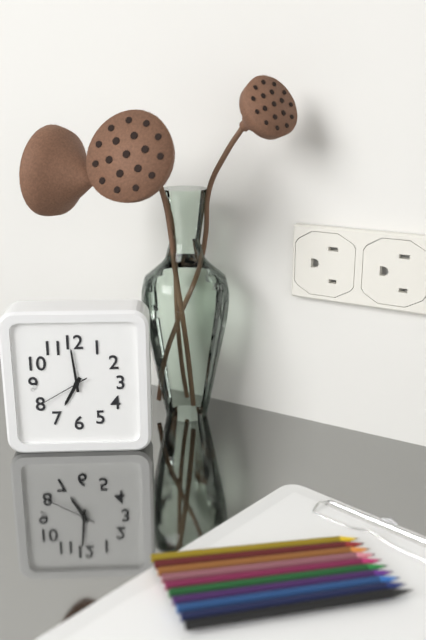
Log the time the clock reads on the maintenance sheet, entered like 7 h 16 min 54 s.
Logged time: 6 h 59 min 40 s
